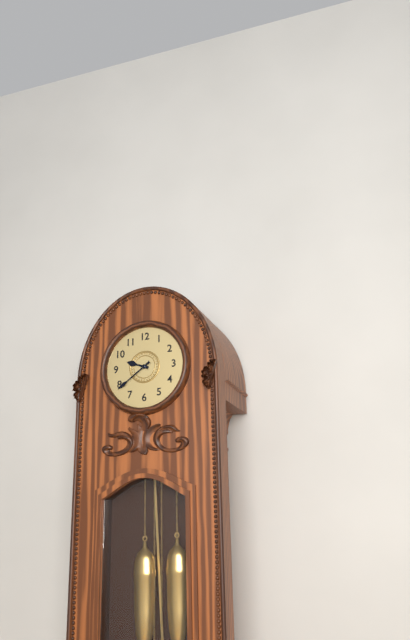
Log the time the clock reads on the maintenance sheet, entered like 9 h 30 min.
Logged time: 9 h 39 min
